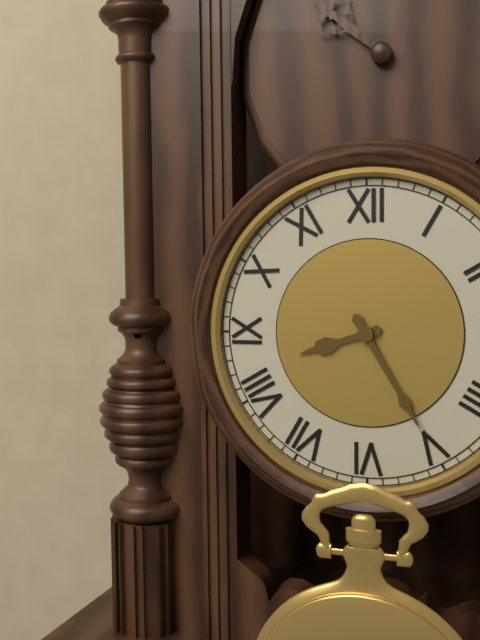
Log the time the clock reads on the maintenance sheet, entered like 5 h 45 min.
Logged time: 8 h 25 min
